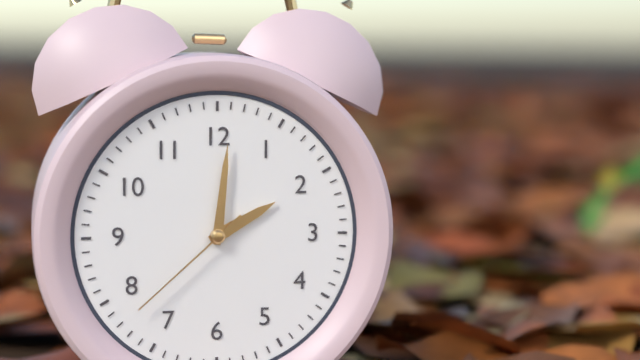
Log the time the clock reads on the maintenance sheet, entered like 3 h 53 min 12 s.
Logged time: 2 h 01 min 38 s
